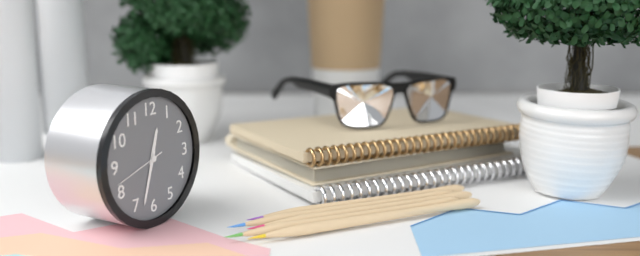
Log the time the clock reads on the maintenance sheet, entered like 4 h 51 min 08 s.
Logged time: 12 h 33 min 42 s
